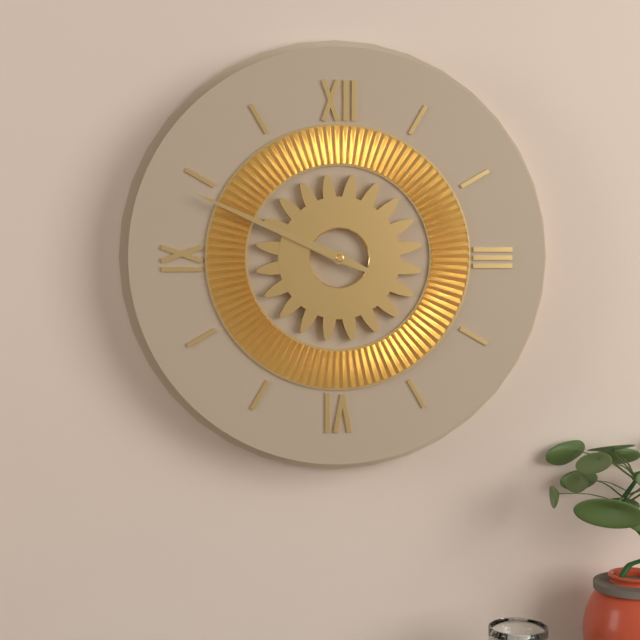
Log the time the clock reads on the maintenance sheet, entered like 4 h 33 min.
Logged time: 9 h 49 min
